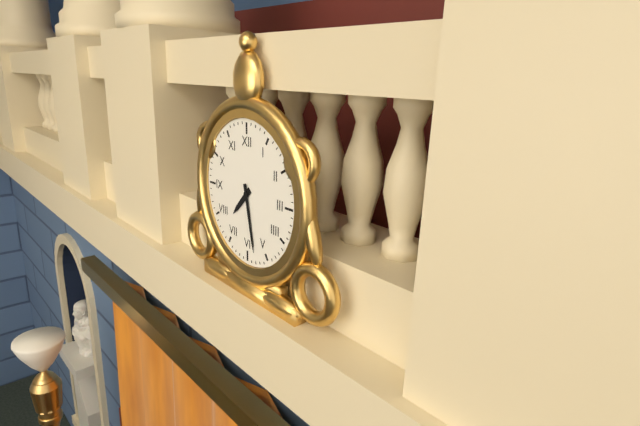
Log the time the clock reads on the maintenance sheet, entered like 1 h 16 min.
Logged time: 7 h 28 min
